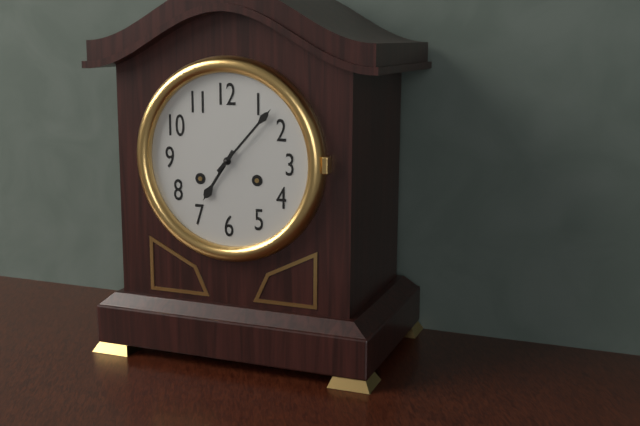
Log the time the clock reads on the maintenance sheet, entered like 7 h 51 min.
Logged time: 7 h 07 min
